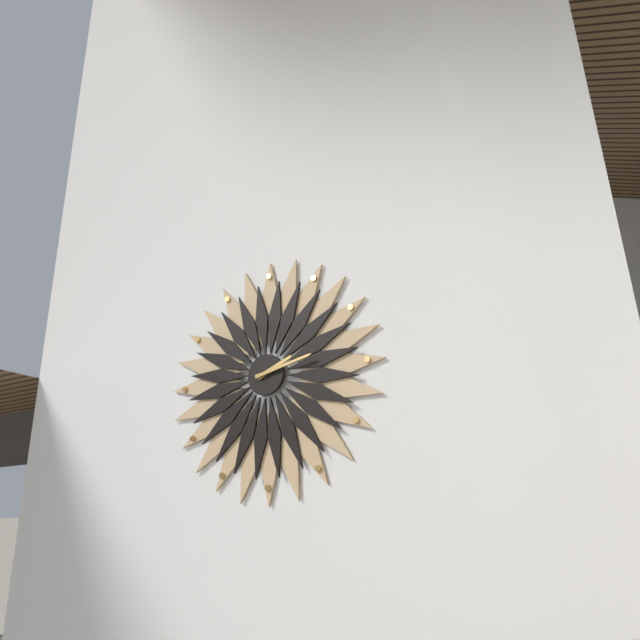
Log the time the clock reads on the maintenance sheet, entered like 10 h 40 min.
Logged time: 2 h 13 min
